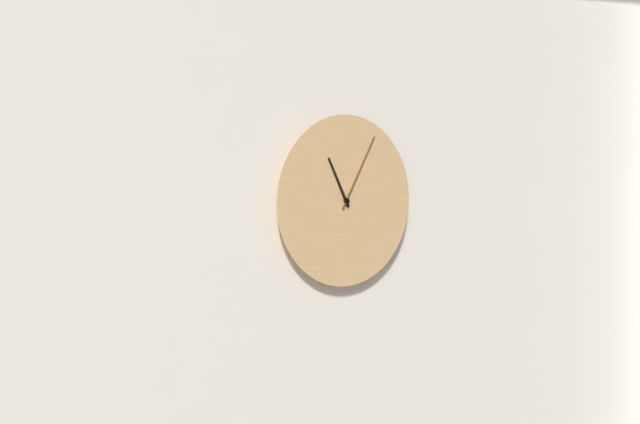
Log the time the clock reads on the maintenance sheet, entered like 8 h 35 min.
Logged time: 11 h 05 min
